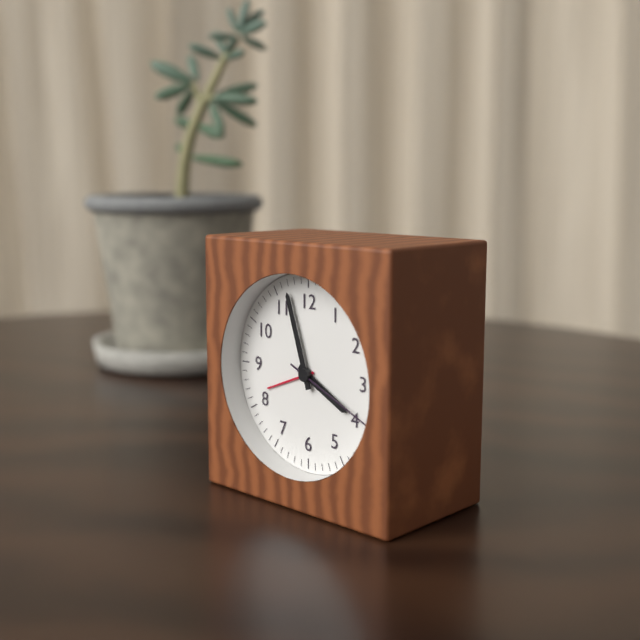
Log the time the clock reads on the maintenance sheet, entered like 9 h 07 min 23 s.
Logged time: 3 h 57 min 19 s
